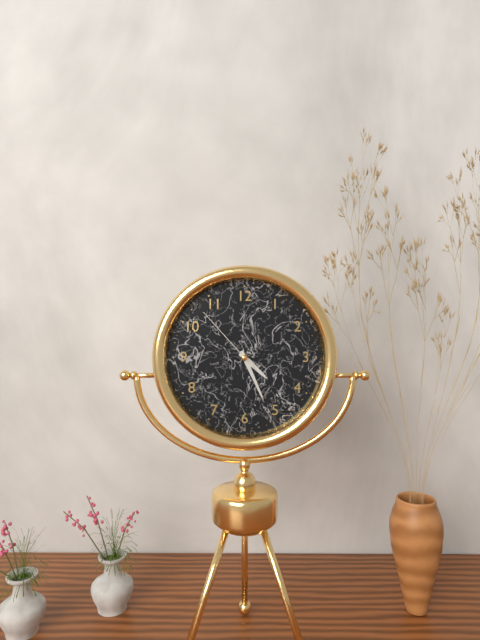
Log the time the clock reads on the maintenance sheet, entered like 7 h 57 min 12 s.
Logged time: 4 h 26 min 53 s
